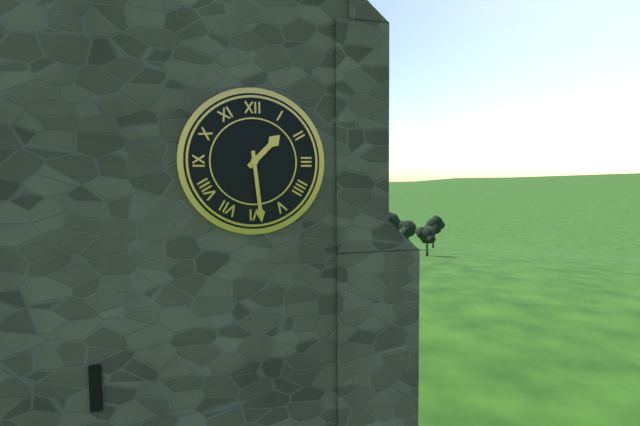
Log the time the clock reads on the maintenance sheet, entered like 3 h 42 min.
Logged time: 1 h 29 min
